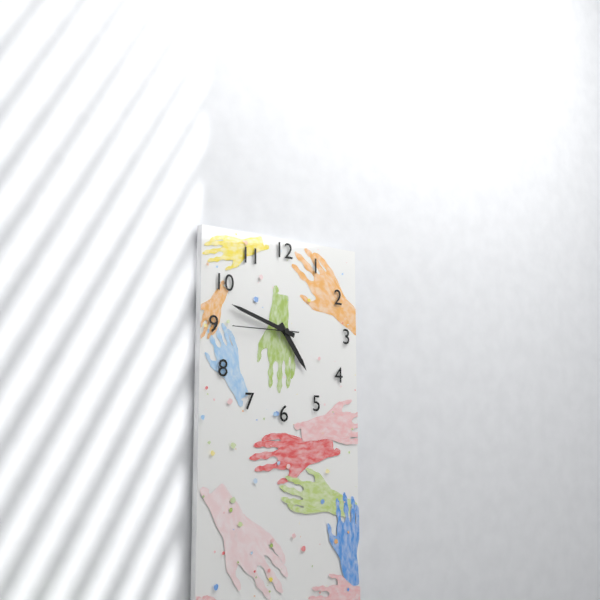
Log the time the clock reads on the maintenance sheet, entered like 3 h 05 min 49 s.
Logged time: 4 h 48 min 45 s
